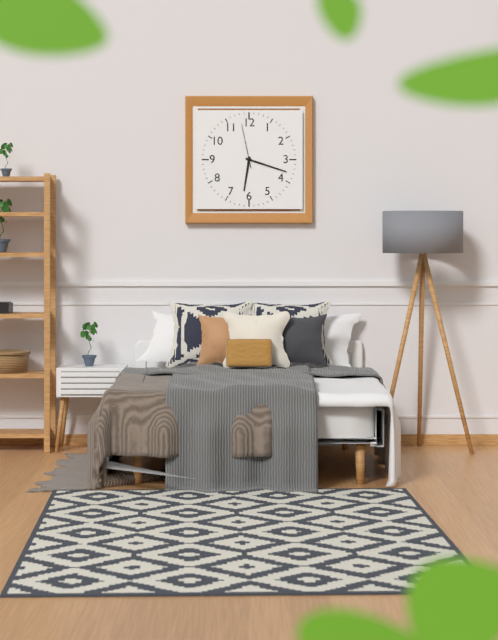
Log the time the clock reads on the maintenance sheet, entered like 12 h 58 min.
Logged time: 6 h 18 min
